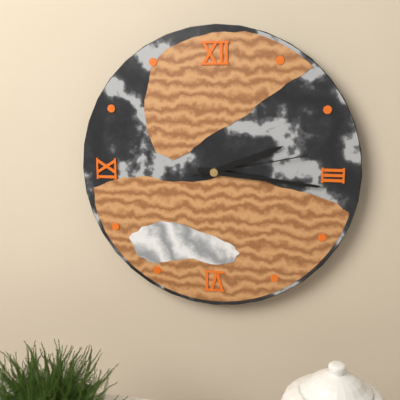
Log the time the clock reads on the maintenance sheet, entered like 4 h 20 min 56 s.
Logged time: 2 h 16 min 13 s
